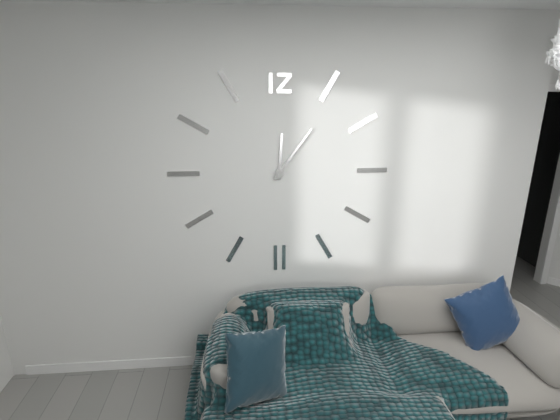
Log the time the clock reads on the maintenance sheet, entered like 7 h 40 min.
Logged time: 12 h 06 min
